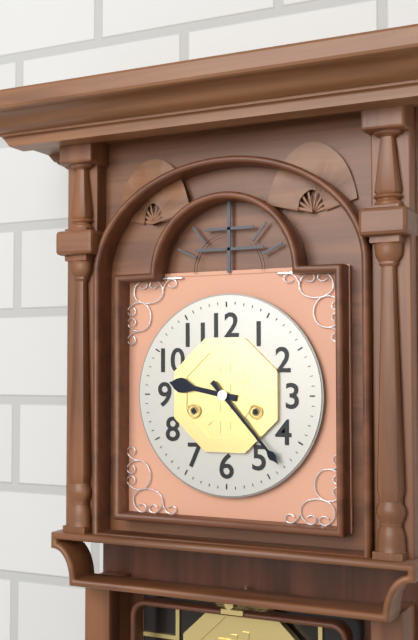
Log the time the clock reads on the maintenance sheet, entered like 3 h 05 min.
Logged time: 9 h 23 min
